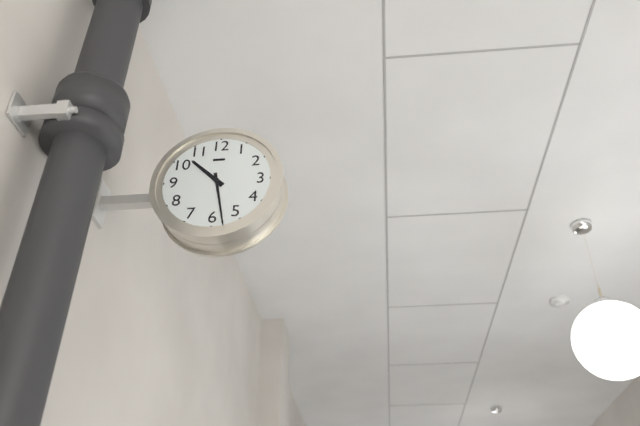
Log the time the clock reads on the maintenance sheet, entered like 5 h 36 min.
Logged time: 10 h 28 min
